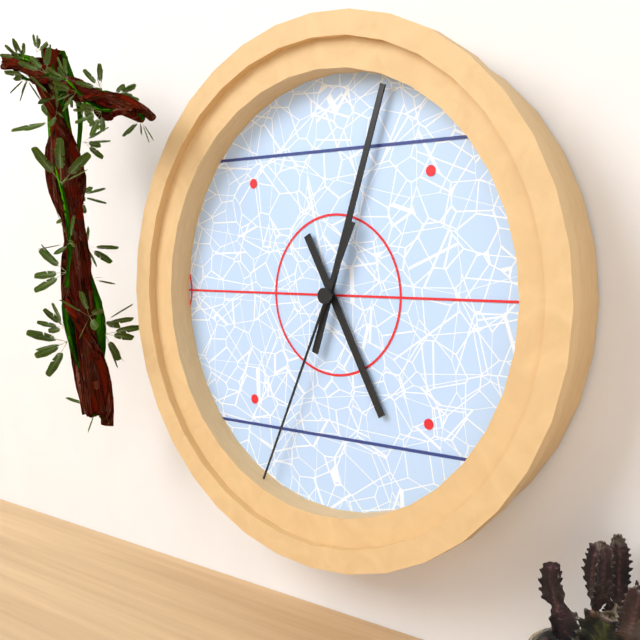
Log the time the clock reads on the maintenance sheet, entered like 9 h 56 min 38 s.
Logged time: 5 h 03 min 34 s
